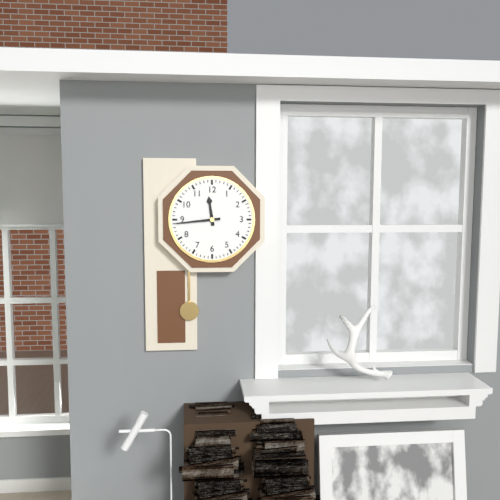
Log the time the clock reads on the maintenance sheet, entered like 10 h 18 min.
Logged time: 11 h 44 min
